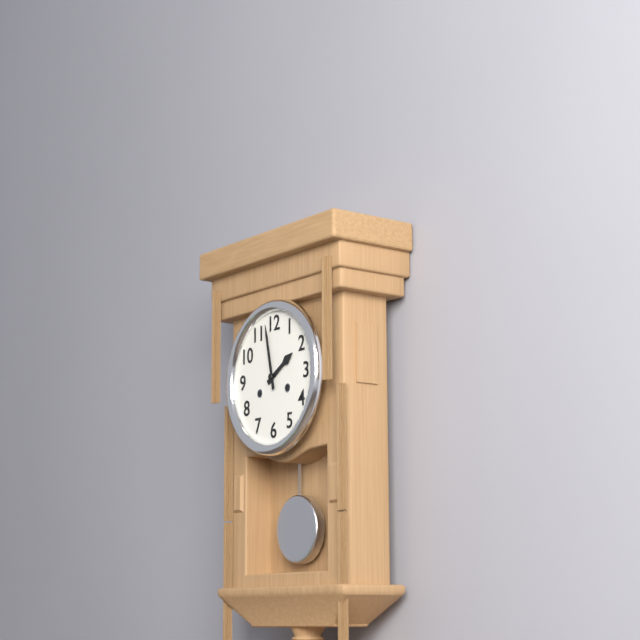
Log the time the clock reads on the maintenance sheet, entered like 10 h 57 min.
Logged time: 1 h 58 min
